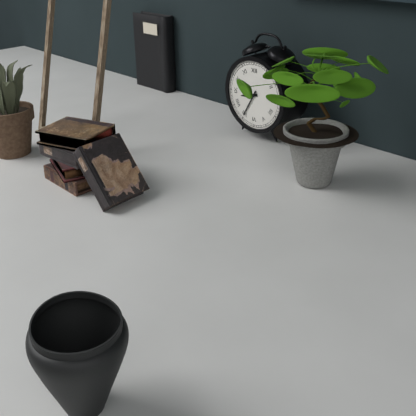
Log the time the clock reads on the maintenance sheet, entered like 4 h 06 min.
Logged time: 8 h 35 min
